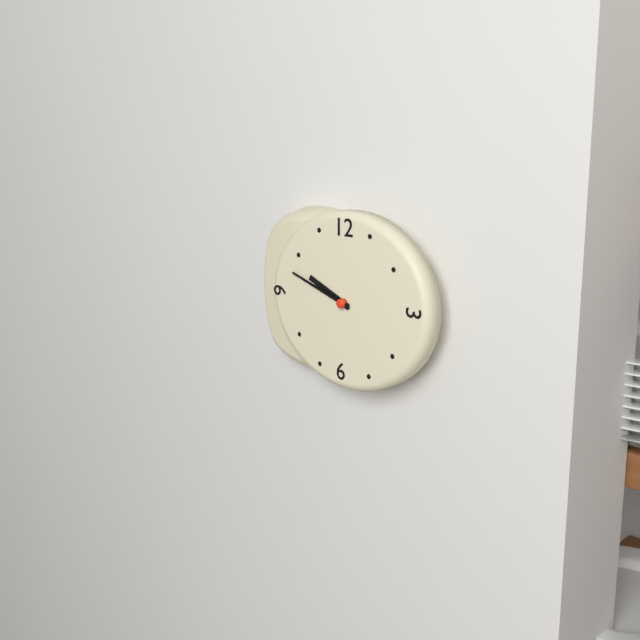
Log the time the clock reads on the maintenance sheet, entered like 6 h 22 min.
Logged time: 9 h 48 min
